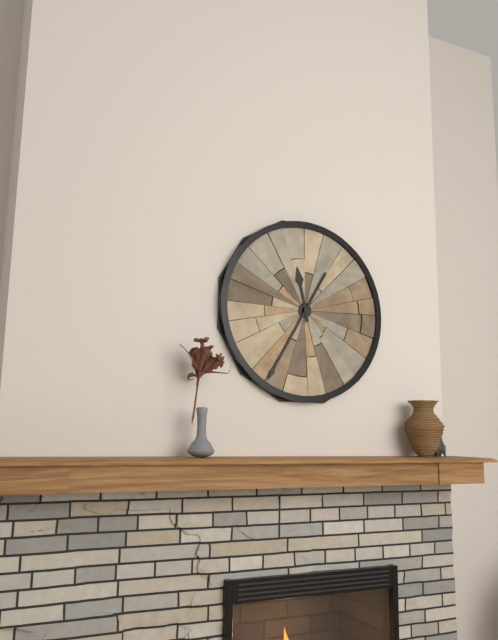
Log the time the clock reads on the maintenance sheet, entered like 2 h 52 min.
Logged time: 11 h 35 min
